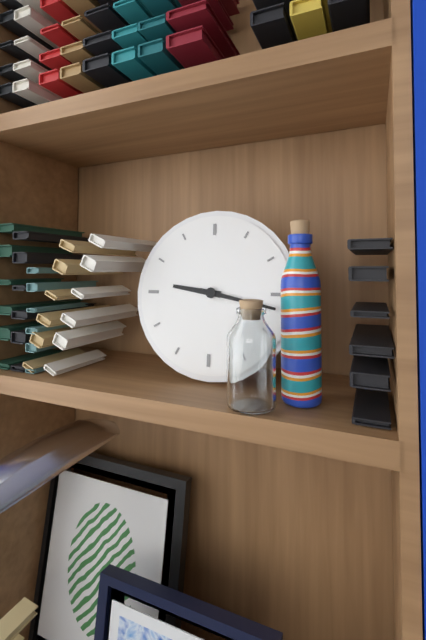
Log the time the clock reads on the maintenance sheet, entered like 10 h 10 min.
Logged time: 9 h 17 min
